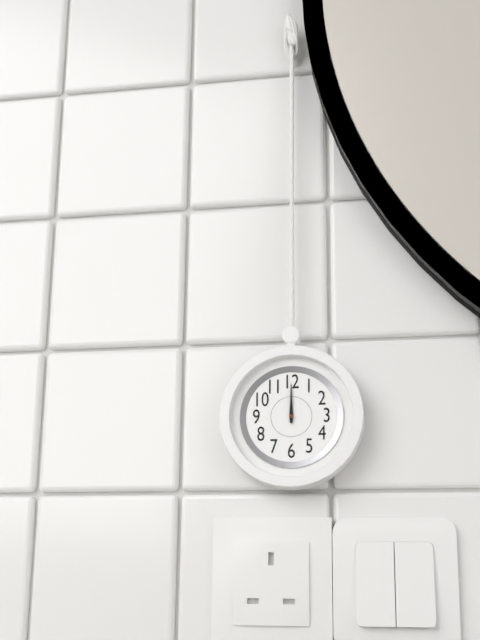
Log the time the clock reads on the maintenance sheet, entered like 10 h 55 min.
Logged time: 12 h 00 min
